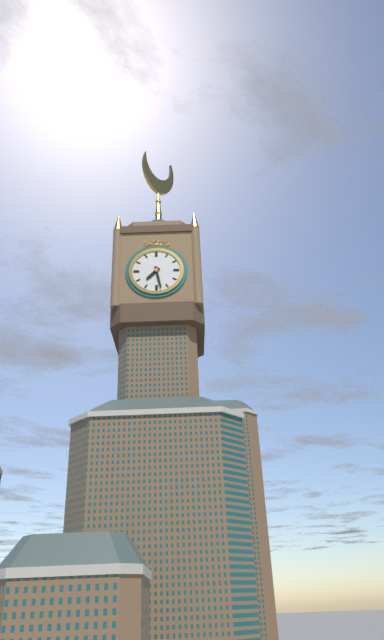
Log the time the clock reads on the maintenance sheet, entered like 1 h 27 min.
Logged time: 7 h 28 min
